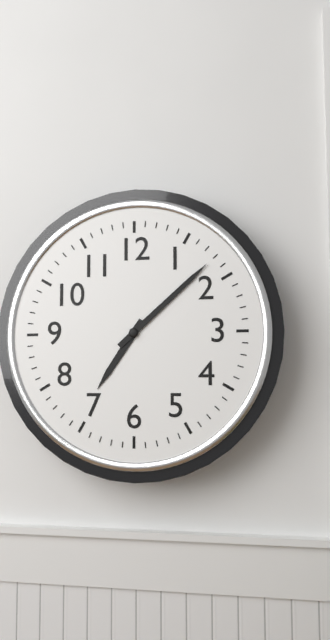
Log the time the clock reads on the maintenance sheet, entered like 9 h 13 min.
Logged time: 7 h 08 min
